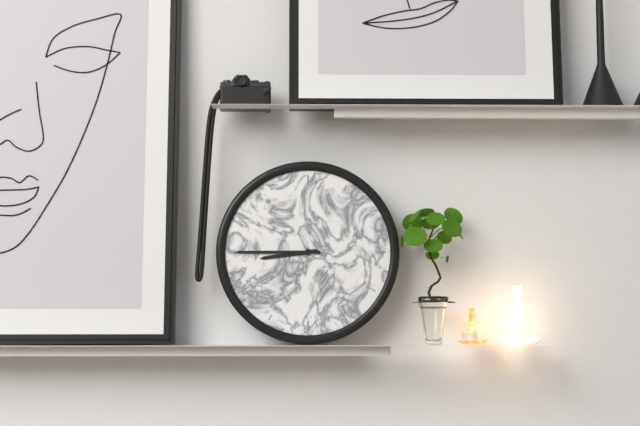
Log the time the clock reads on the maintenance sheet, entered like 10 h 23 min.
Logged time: 8 h 45 min
